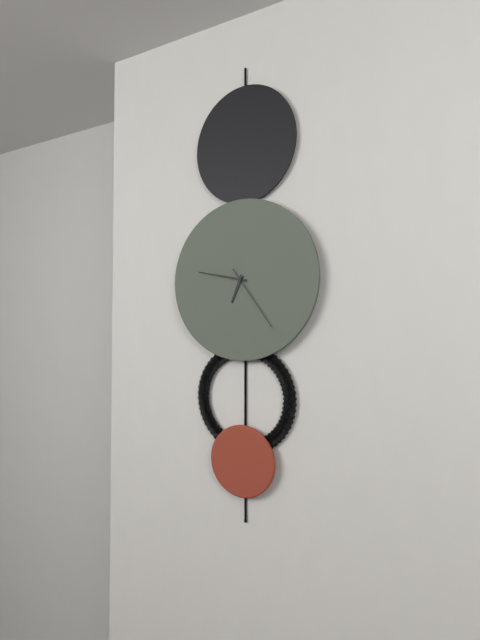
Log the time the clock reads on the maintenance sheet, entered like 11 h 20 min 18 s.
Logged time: 6 h 47 min 24 s
